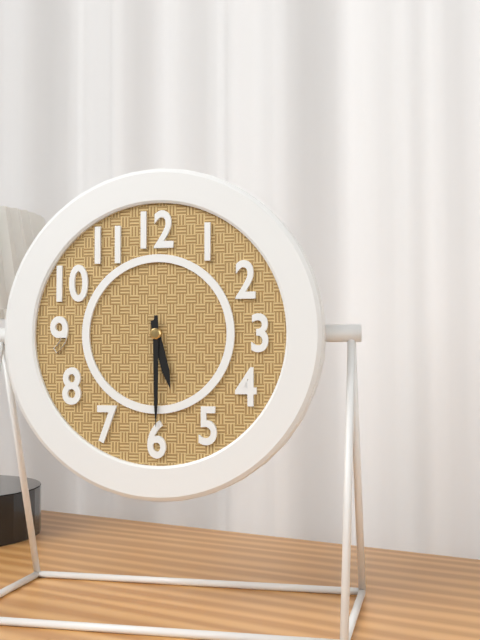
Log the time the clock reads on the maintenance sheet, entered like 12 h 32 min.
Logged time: 5 h 30 min
